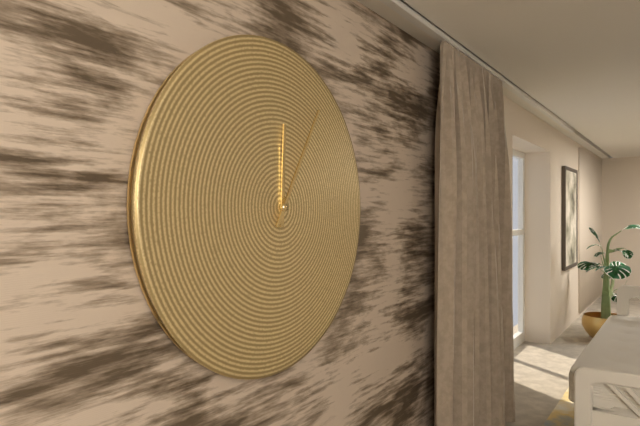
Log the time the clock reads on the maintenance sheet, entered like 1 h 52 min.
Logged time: 12 h 05 min
